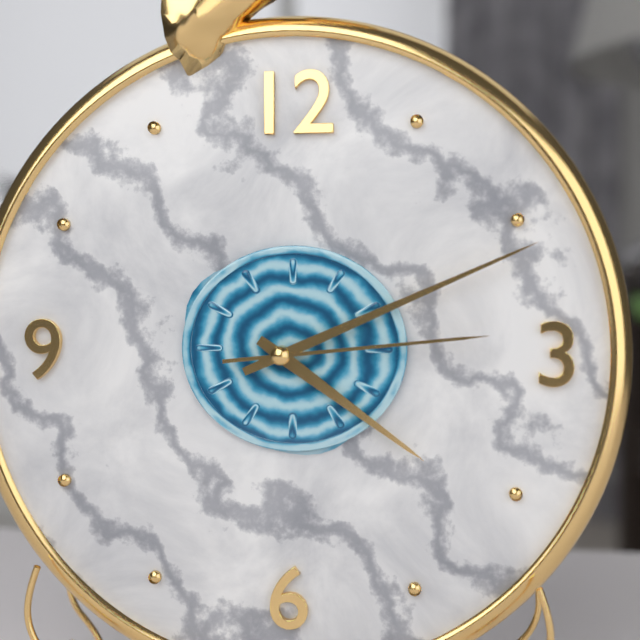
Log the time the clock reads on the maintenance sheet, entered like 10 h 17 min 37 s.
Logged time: 4 h 11 min 14 s
